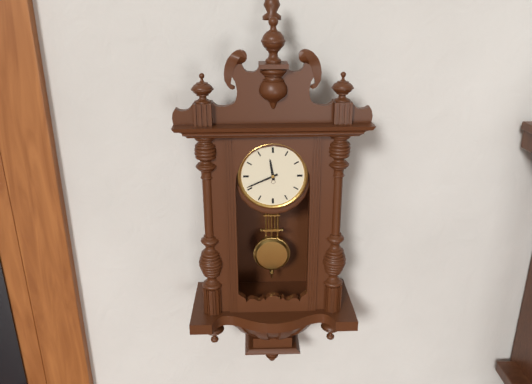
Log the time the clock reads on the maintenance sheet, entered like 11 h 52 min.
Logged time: 11 h 41 min
